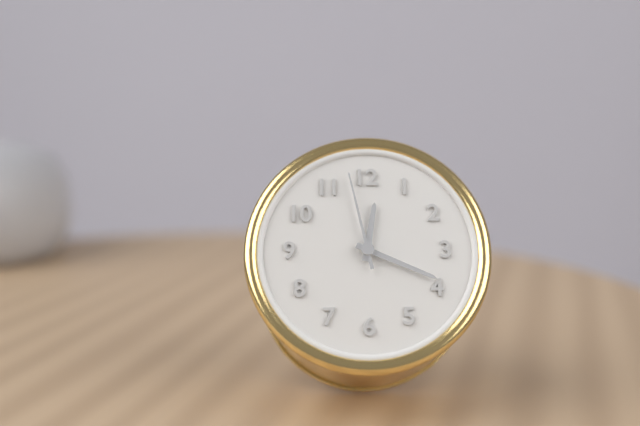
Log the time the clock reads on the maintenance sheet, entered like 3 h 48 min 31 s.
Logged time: 12 h 19 min 58 s
